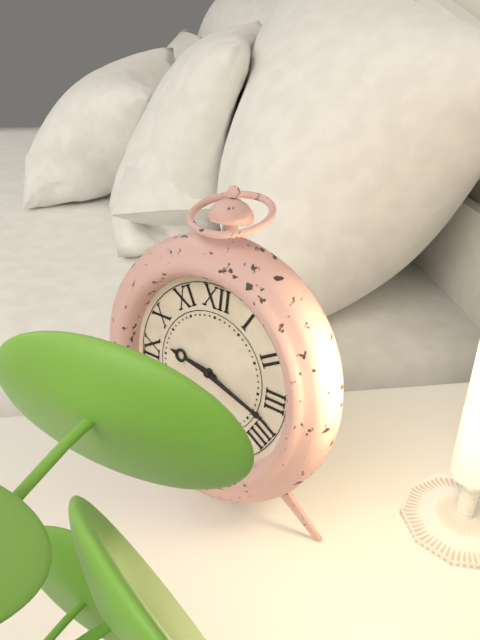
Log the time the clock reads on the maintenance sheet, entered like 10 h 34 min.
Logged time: 9 h 18 min
